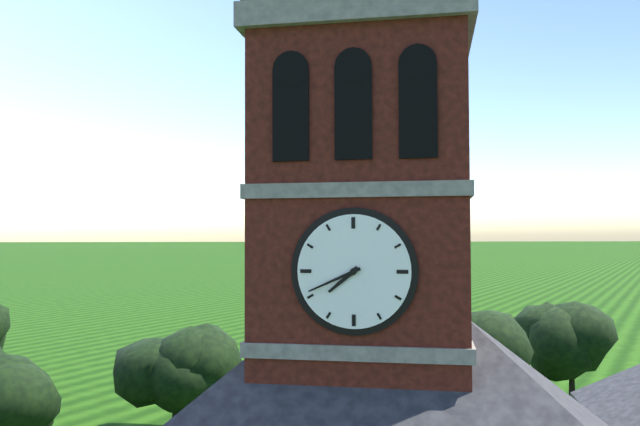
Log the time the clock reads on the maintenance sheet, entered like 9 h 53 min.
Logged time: 7 h 41 min
